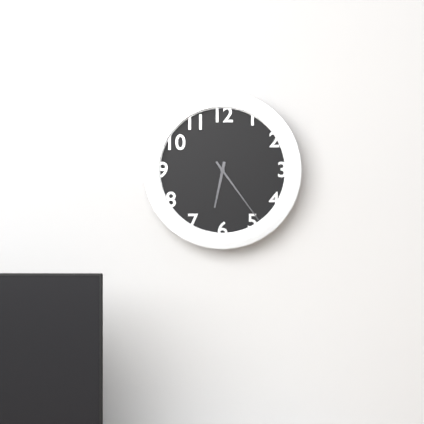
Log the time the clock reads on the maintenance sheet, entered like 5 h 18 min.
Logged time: 6 h 24 min
